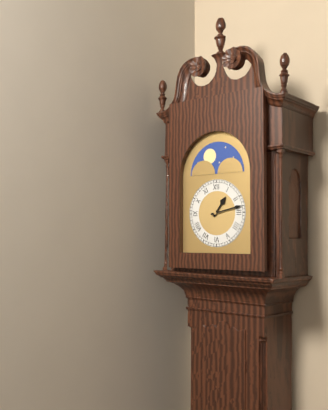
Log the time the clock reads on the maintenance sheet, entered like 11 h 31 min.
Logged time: 1 h 13 min
